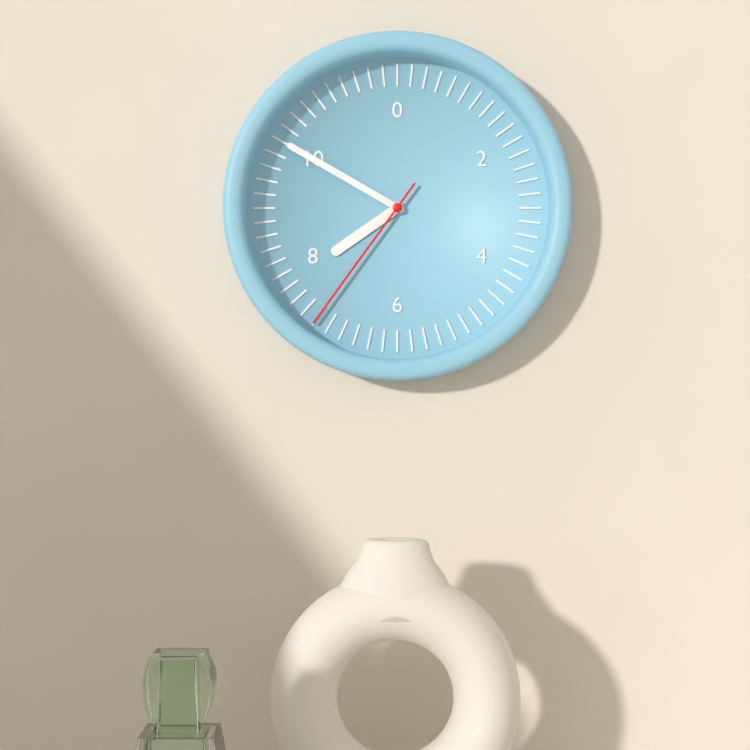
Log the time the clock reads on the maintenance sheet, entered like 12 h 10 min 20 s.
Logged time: 7 h 50 min 36 s
